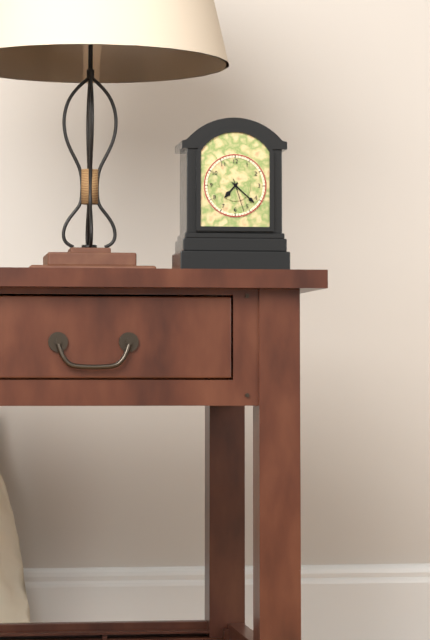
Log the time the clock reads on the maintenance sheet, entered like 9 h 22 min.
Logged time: 7 h 22 min
